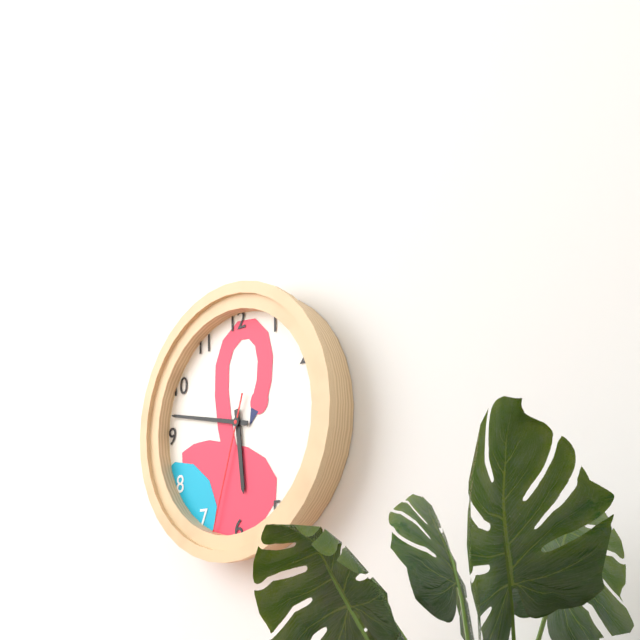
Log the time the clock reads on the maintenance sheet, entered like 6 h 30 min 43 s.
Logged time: 5 h 47 min 33 s
